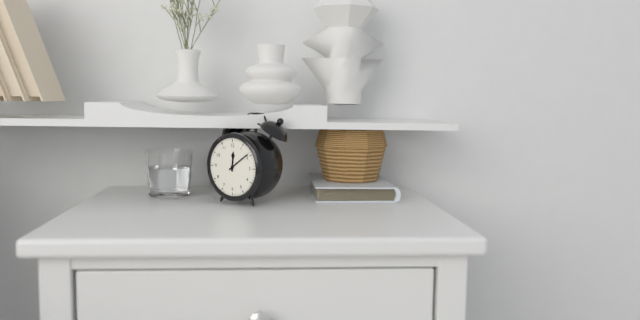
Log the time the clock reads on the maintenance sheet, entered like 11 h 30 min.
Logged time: 12 h 09 min
